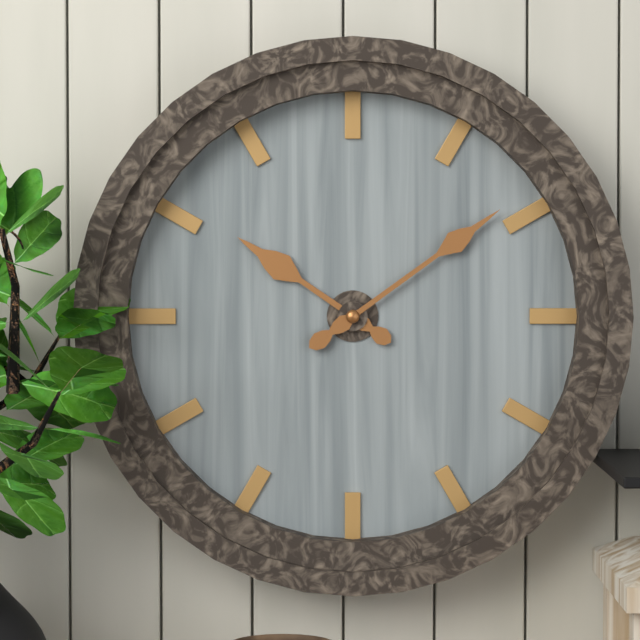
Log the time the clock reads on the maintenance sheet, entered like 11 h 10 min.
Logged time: 10 h 09 min
